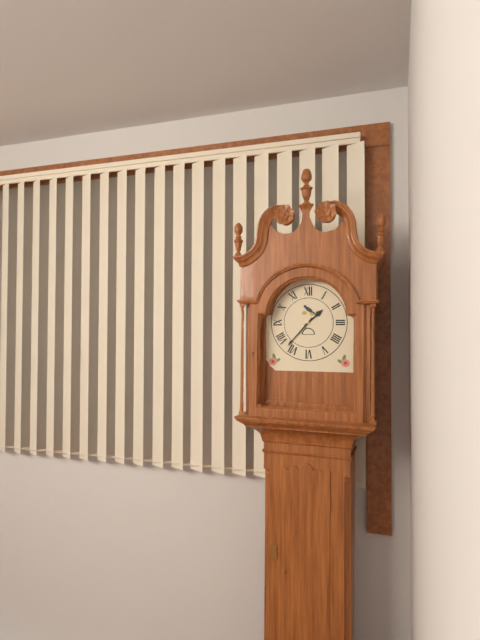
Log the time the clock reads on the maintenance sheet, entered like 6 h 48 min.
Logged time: 1 h 37 min
